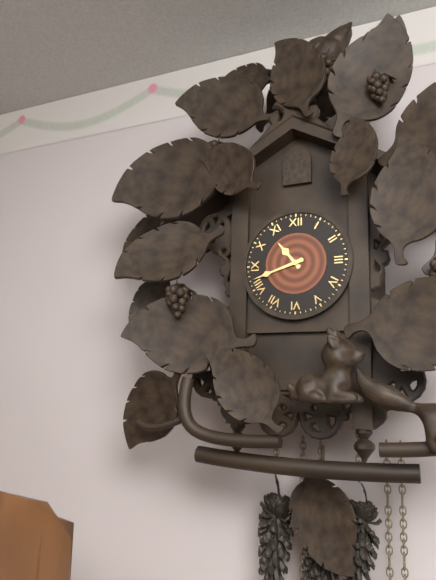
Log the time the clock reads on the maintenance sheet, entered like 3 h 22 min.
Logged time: 10 h 42 min
